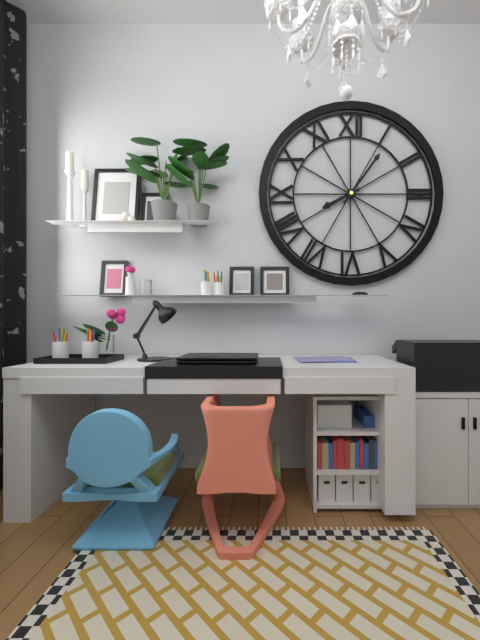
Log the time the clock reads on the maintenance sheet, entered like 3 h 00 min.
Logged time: 8 h 06 min
